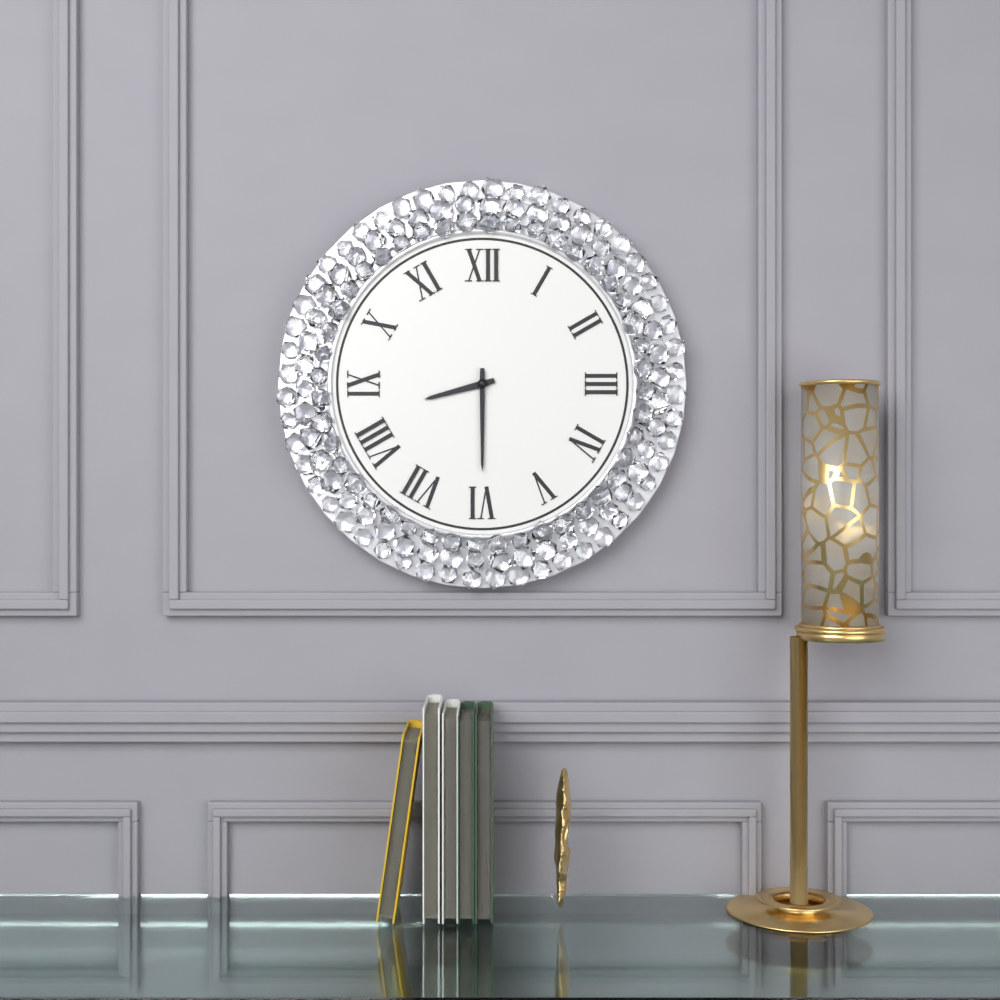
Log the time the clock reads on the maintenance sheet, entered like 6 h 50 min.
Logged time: 8 h 30 min
